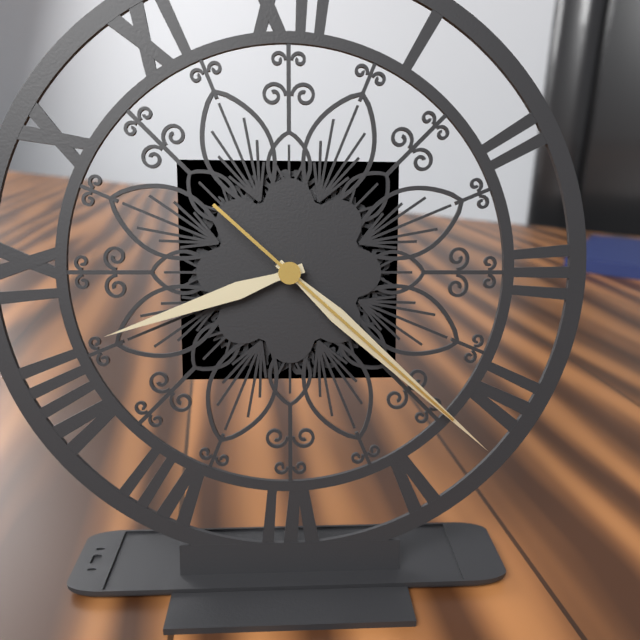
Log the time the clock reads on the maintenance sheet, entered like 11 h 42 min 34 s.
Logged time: 8 h 22 min 22 s
